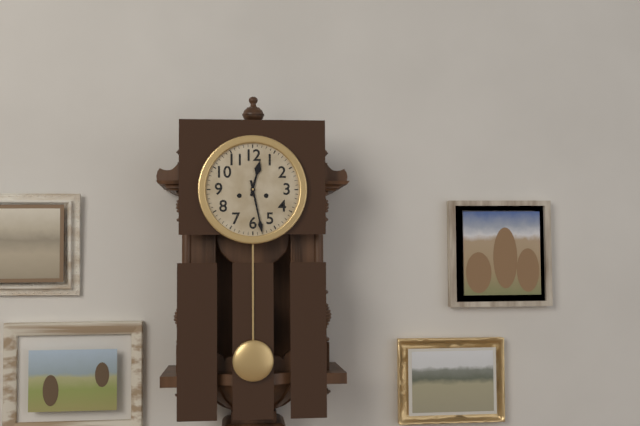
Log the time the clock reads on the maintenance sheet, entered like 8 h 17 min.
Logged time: 12 h 28 min
